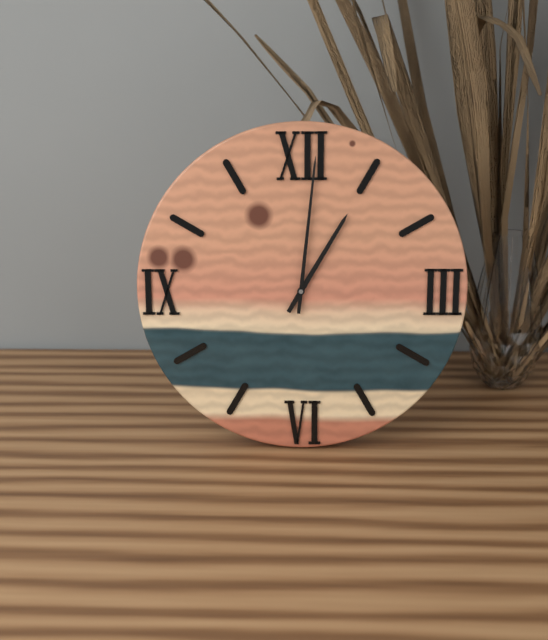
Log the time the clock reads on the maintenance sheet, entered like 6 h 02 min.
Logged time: 1 h 01 min
